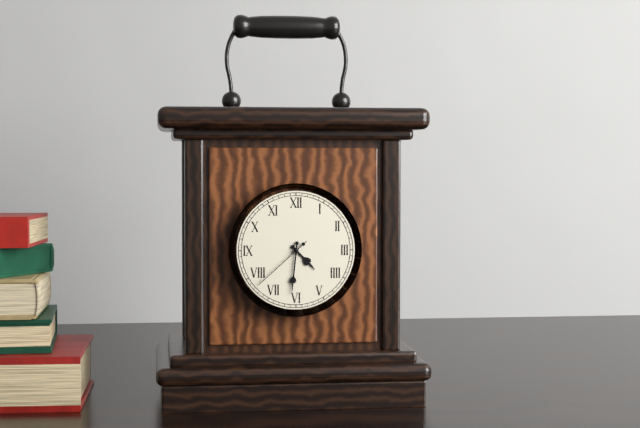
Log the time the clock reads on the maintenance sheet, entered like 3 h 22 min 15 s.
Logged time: 4 h 31 min 38 s
